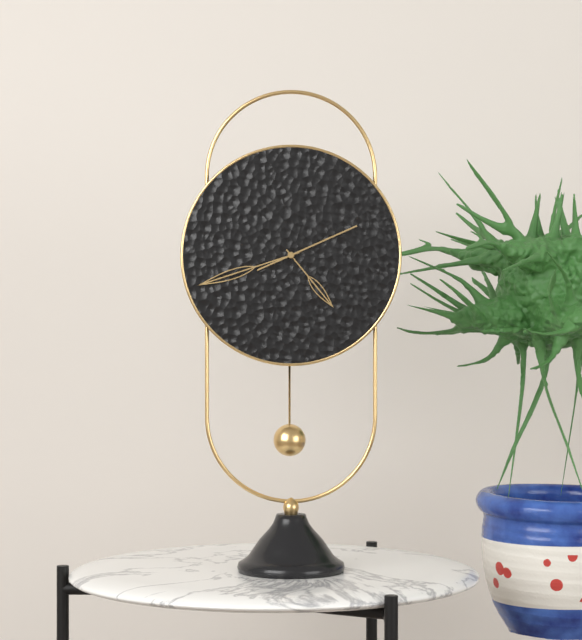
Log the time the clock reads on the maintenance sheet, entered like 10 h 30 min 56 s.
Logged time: 4 h 42 min 11 s
